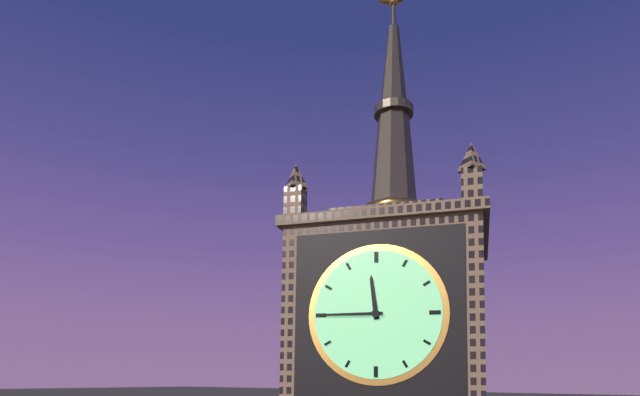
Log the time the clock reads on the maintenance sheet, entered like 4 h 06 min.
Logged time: 11 h 45 min
